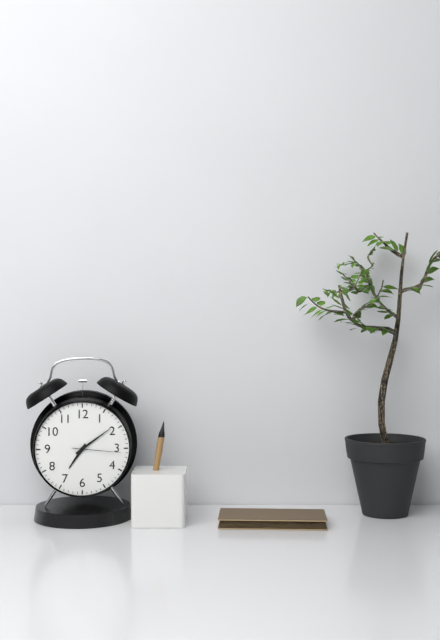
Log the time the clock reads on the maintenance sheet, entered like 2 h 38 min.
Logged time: 7 h 09 min
